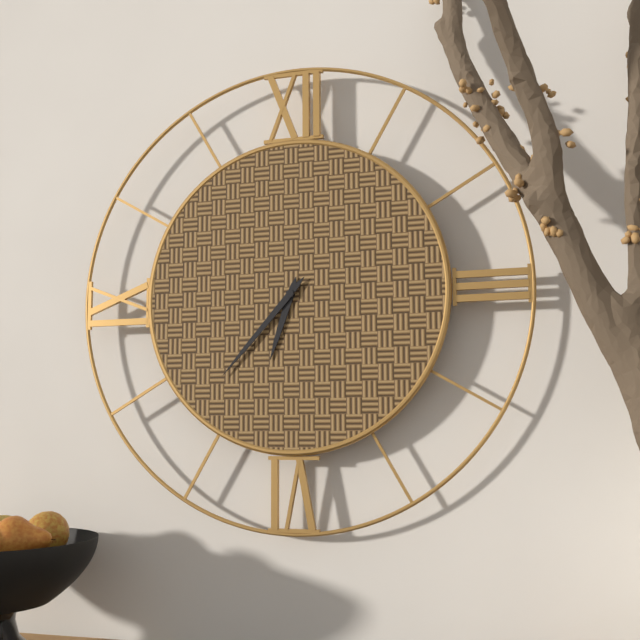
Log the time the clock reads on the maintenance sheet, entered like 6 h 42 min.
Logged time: 6 h 37 min
